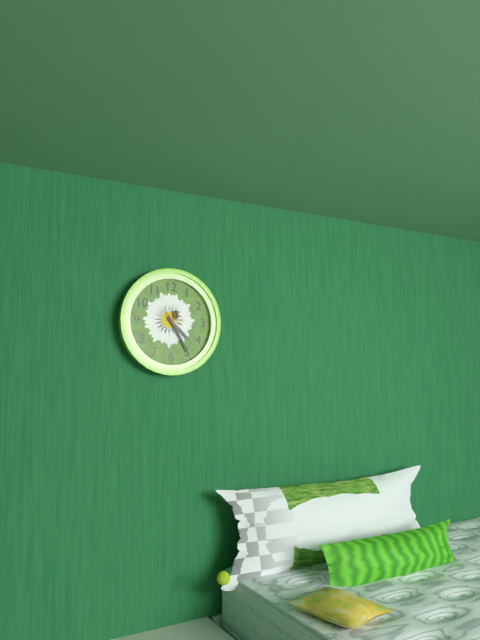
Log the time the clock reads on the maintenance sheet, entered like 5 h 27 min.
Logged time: 4 h 25 min
